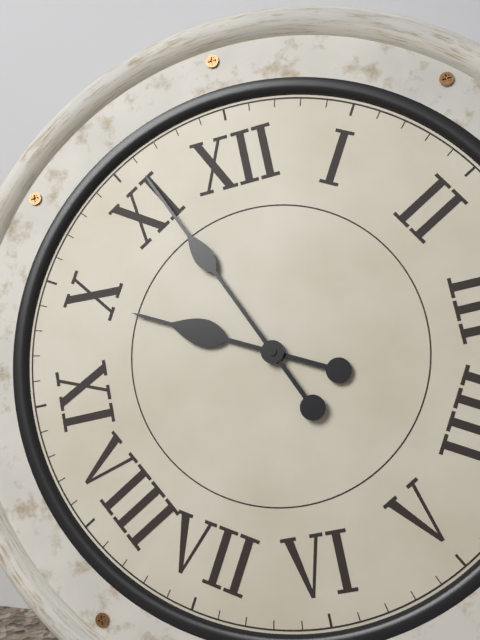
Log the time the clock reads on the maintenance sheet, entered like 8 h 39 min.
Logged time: 9 h 56 min
